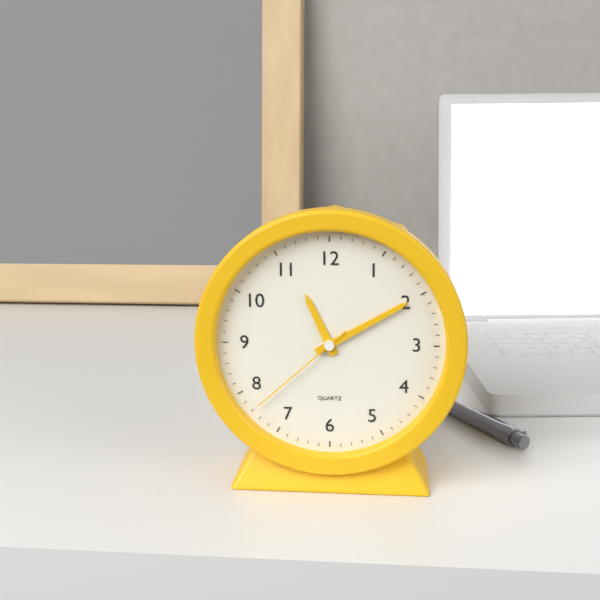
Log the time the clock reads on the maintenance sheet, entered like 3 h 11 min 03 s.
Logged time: 11 h 10 min 38 s
